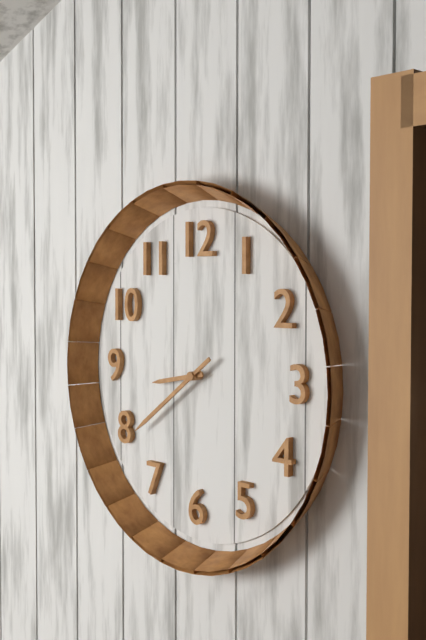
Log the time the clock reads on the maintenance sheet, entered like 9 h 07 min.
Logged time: 8 h 39 min
